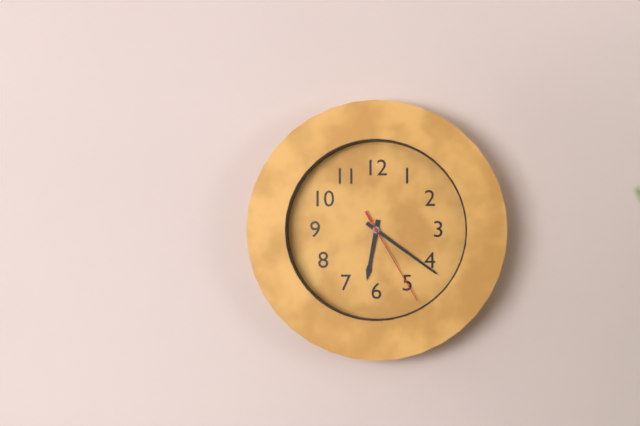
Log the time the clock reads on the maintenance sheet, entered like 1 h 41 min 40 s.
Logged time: 6 h 21 min 25 s
